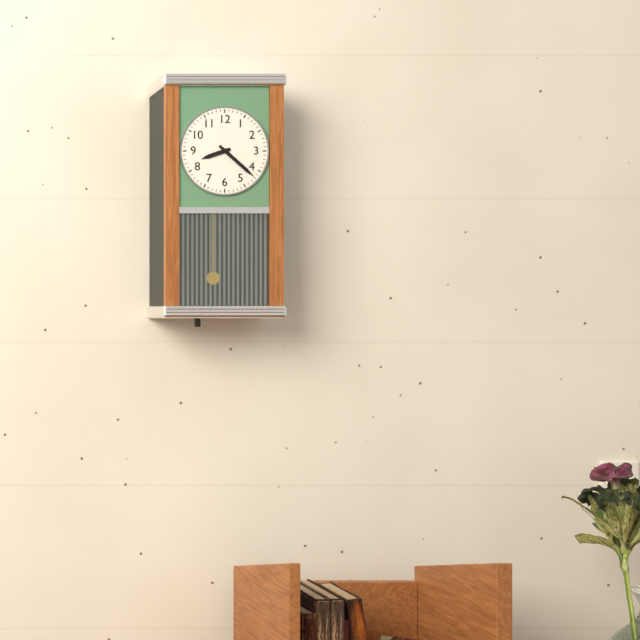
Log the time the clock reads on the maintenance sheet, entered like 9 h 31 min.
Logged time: 8 h 22 min
